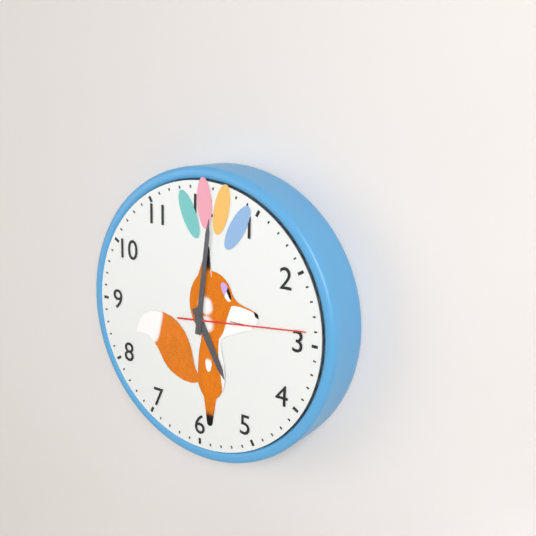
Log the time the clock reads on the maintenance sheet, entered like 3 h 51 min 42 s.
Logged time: 5 h 01 min 14 s
